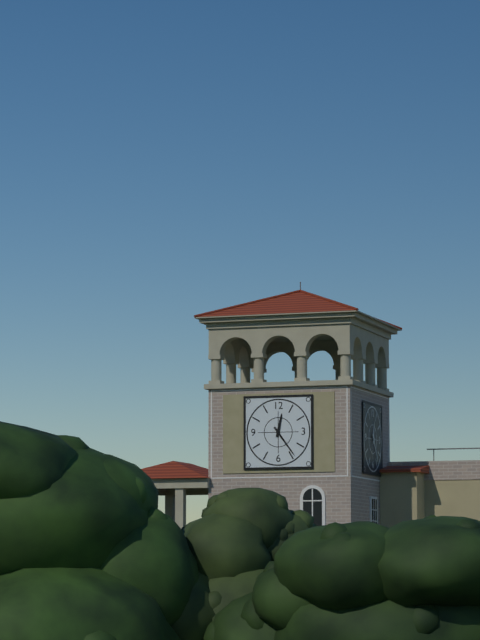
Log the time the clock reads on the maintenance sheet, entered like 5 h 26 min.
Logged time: 12 h 24 min
